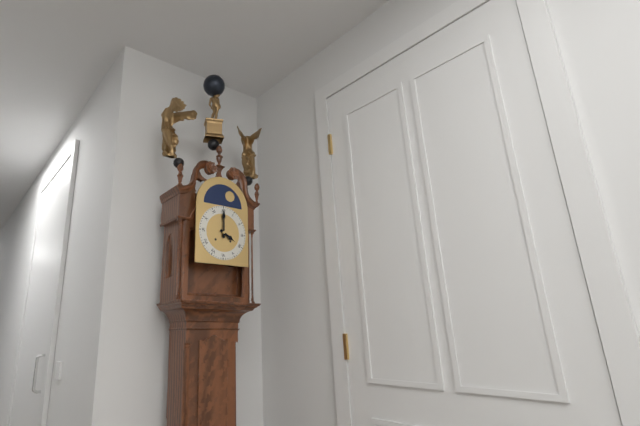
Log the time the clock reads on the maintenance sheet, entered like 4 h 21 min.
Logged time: 4 h 00 min
